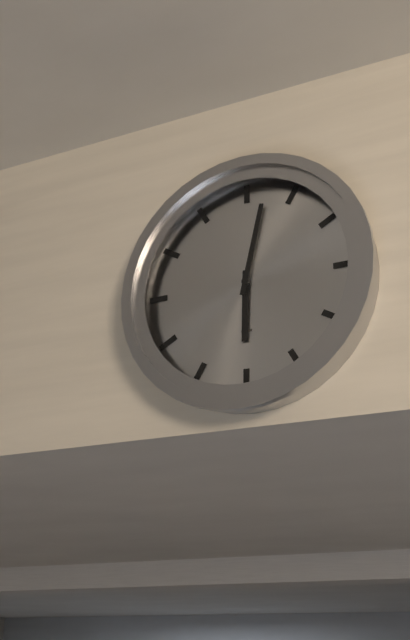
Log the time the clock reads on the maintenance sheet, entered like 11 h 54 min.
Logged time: 6 h 02 min
